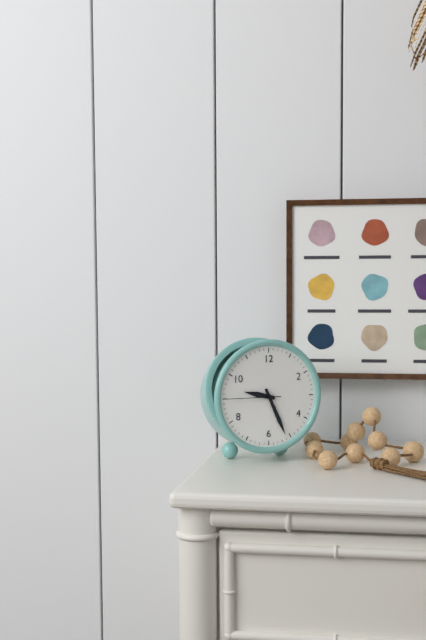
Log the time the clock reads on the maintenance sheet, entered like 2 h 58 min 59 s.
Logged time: 9 h 26 min 45 s
